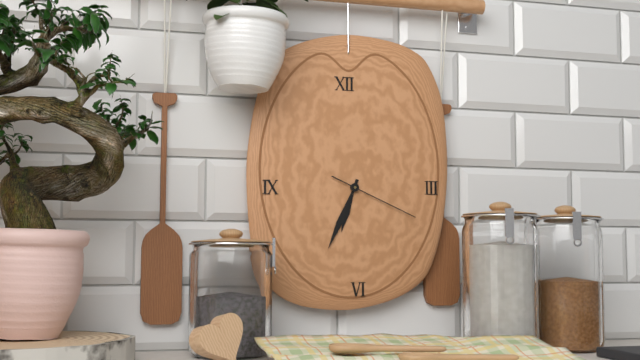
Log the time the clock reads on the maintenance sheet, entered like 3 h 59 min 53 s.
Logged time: 6 h 34 min 19 s
